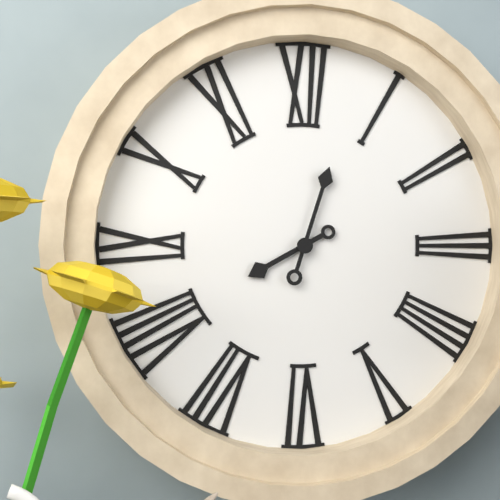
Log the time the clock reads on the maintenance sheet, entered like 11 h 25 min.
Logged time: 8 h 03 min
